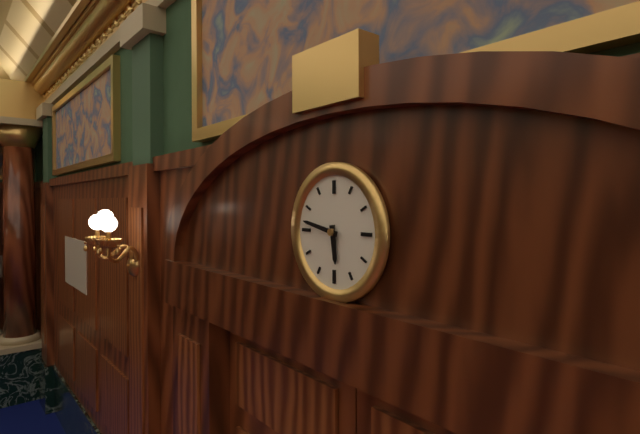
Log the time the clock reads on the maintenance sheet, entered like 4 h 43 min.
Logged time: 5 h 47 min
